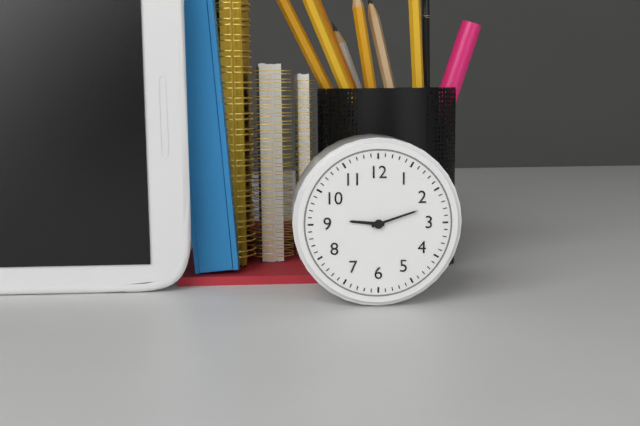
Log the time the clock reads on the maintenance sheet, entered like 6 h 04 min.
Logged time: 9 h 12 min
